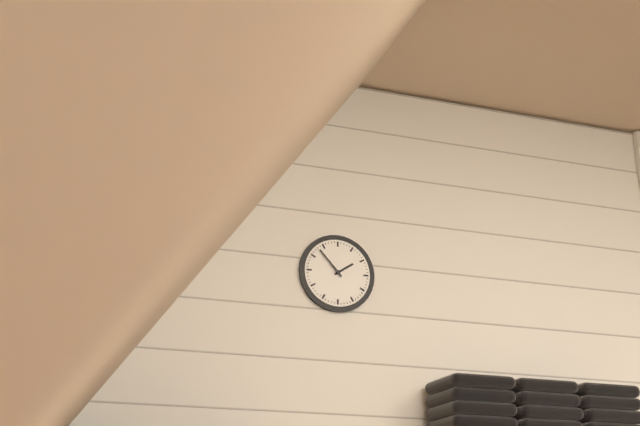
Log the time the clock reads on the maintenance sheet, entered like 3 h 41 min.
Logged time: 1 h 53 min
